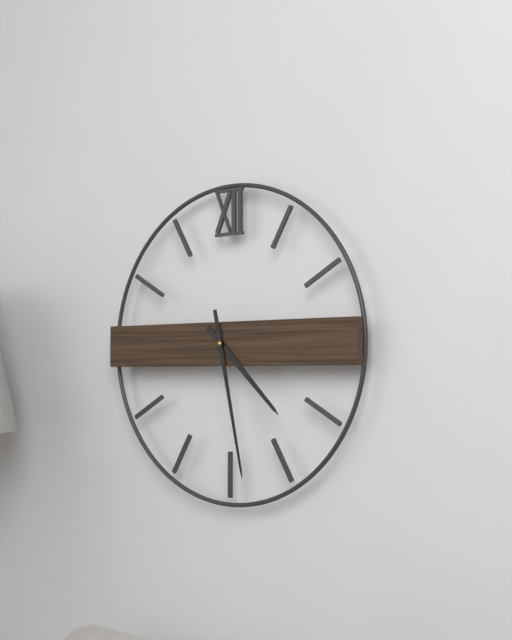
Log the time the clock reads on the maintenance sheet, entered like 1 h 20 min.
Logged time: 4 h 28 min
